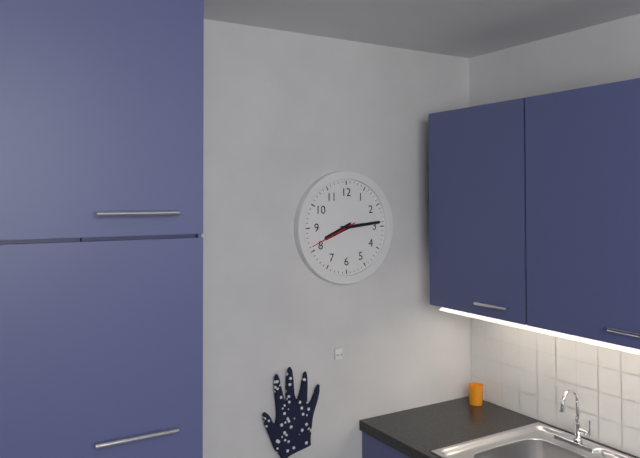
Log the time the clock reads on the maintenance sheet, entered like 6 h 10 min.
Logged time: 8 h 14 min
